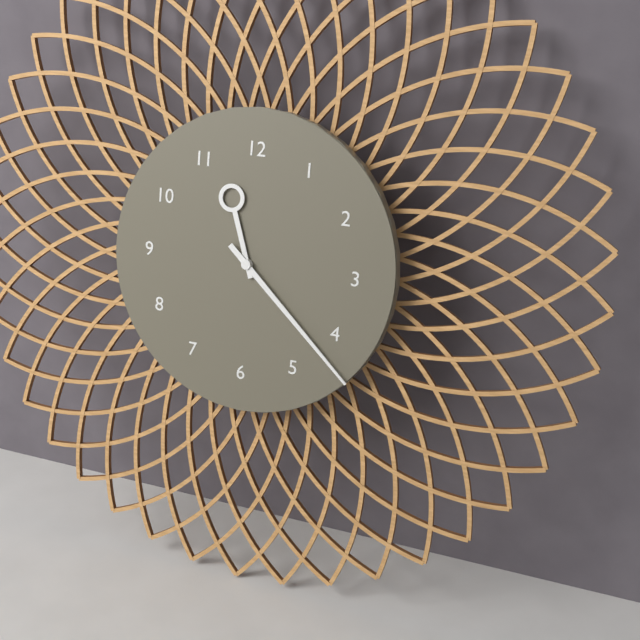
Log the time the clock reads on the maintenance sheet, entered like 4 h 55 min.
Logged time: 11 h 22 min
